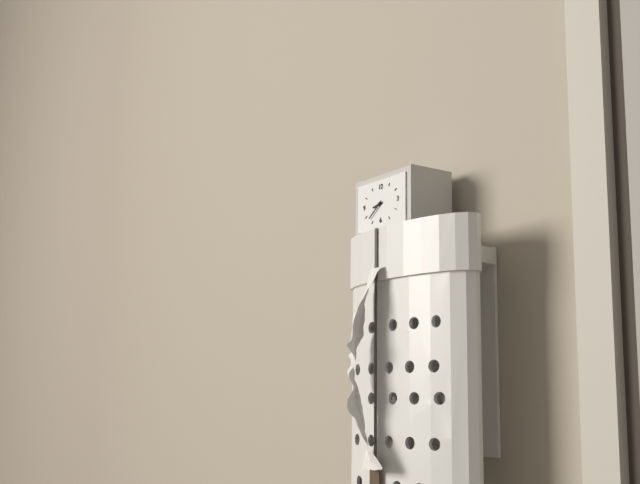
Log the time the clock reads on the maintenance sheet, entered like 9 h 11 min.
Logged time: 8 h 39 min
